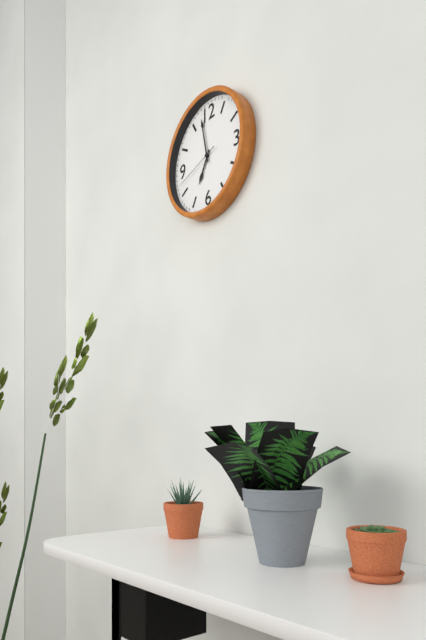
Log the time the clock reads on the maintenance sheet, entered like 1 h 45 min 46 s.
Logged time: 6 h 58 min 42 s
